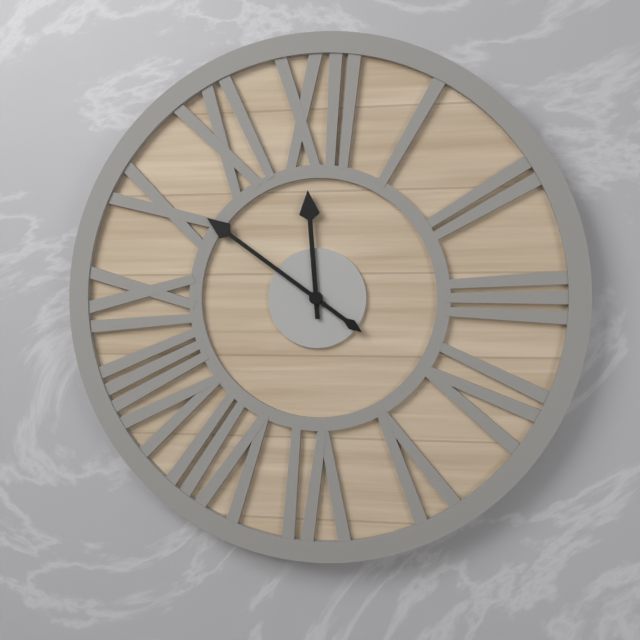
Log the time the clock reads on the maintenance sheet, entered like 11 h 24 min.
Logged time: 11 h 51 min
